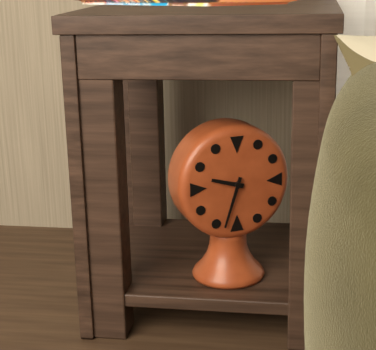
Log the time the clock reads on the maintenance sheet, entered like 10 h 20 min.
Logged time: 9 h 33 min
